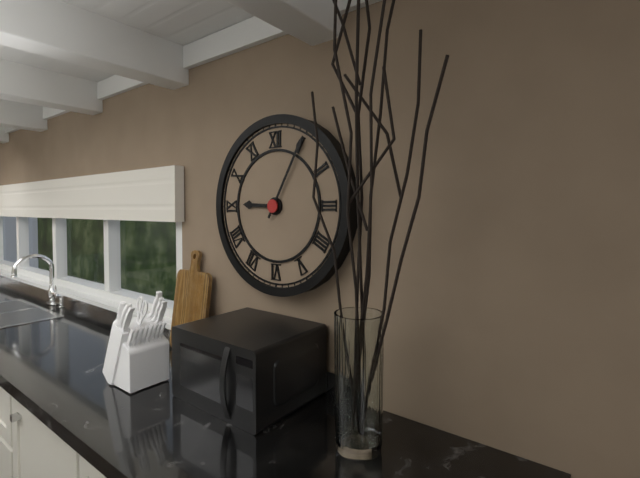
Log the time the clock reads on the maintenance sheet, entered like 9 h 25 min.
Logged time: 9 h 05 min
